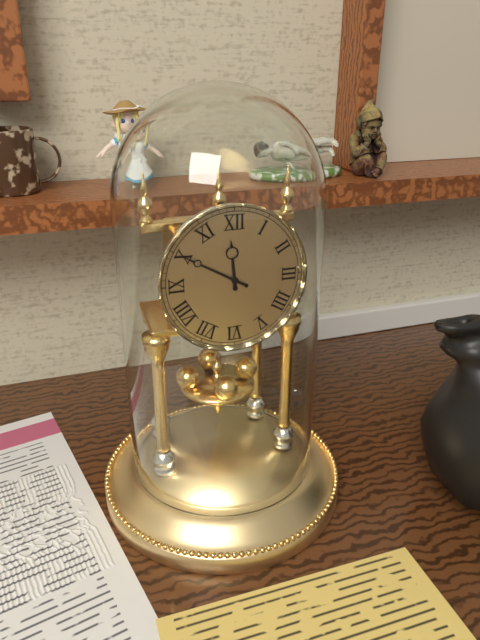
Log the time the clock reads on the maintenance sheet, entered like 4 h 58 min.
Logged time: 11 h 50 min
